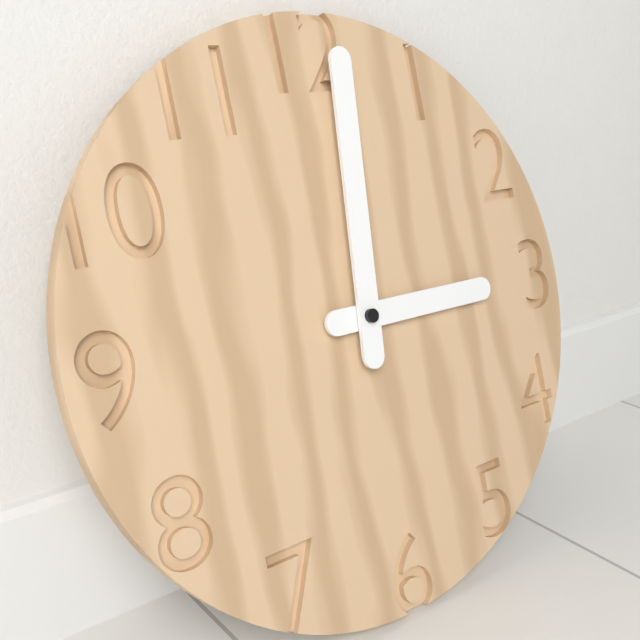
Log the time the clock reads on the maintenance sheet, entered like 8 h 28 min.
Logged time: 3 h 01 min
